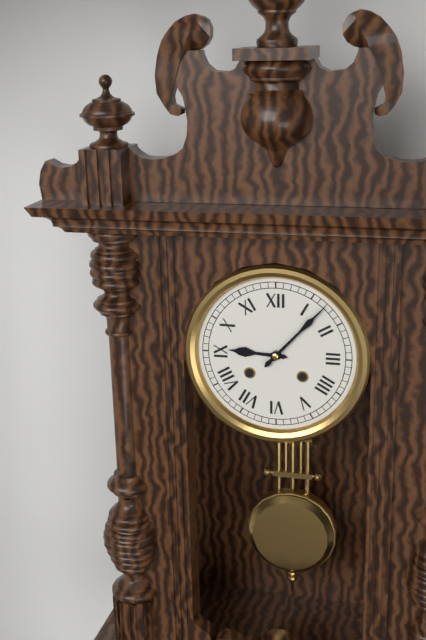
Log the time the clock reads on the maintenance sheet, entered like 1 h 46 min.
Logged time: 9 h 07 min
